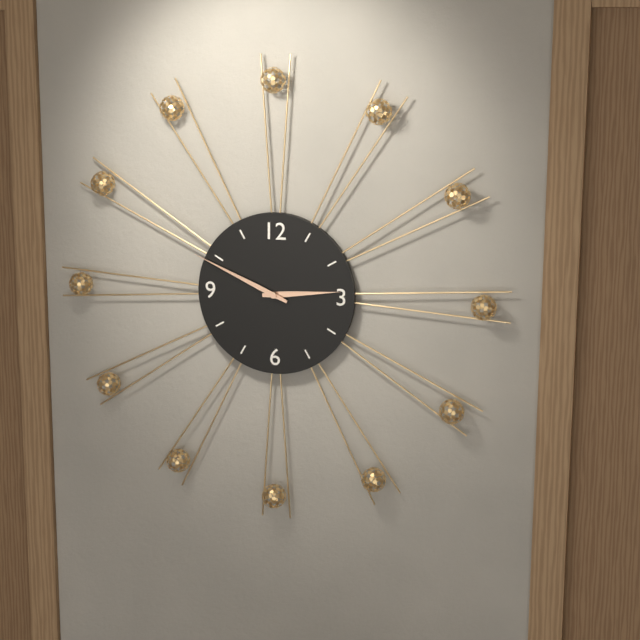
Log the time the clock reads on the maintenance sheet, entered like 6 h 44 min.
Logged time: 2 h 49 min
